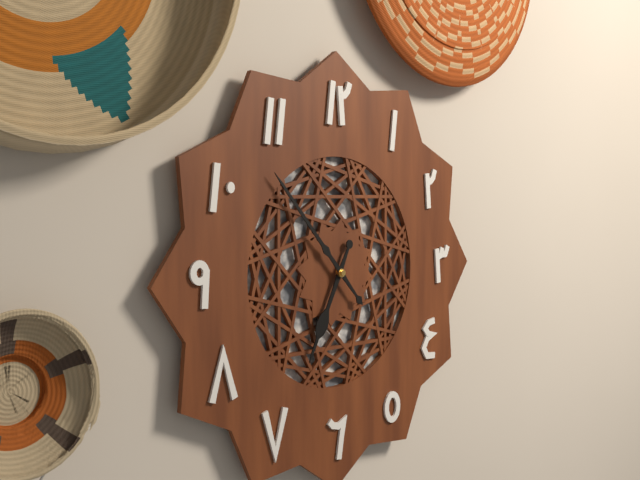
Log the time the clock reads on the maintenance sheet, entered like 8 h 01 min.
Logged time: 6 h 53 min
